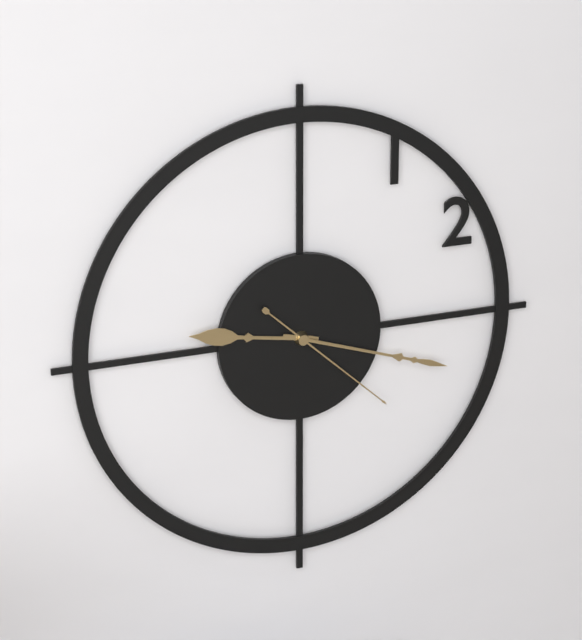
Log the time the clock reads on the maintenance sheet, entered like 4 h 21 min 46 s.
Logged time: 9 h 18 min 22 s
